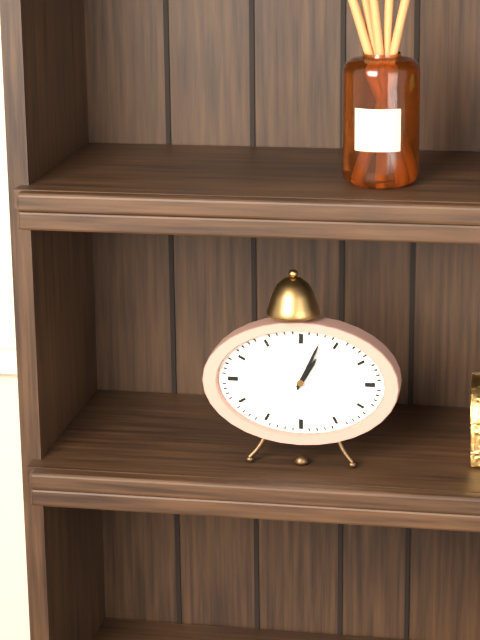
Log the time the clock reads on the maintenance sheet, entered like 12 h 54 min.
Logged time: 1 h 04 min
